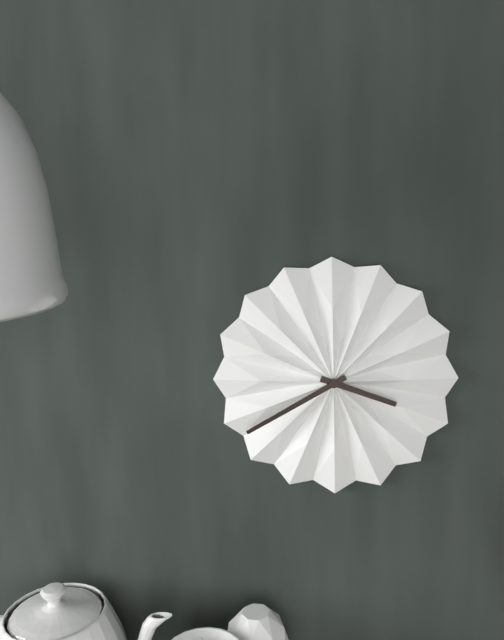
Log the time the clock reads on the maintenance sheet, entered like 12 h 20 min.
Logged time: 3 h 40 min
